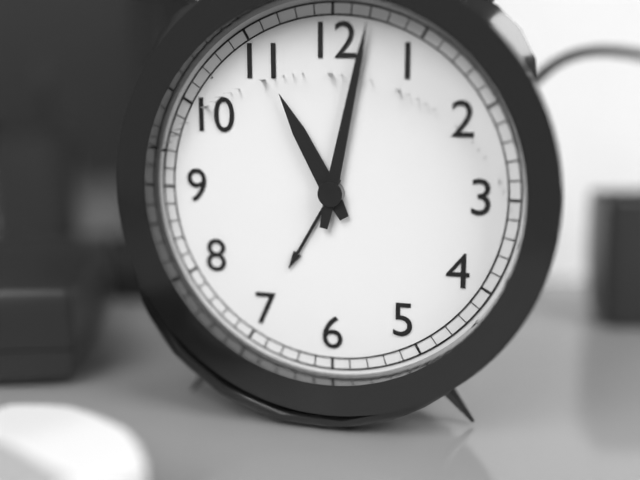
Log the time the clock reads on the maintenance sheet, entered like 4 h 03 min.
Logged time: 11 h 02 min
